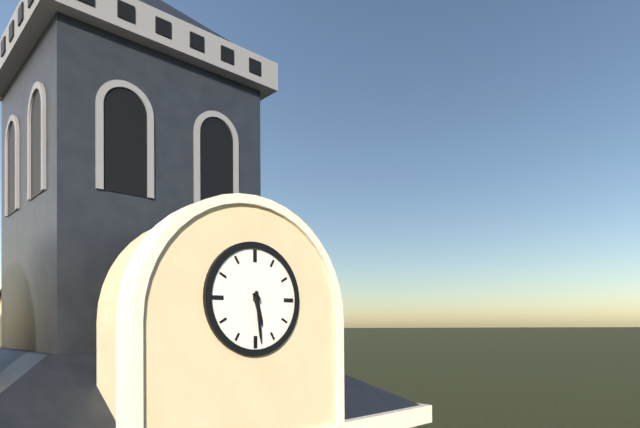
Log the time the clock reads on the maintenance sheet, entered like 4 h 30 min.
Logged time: 5 h 29 min
